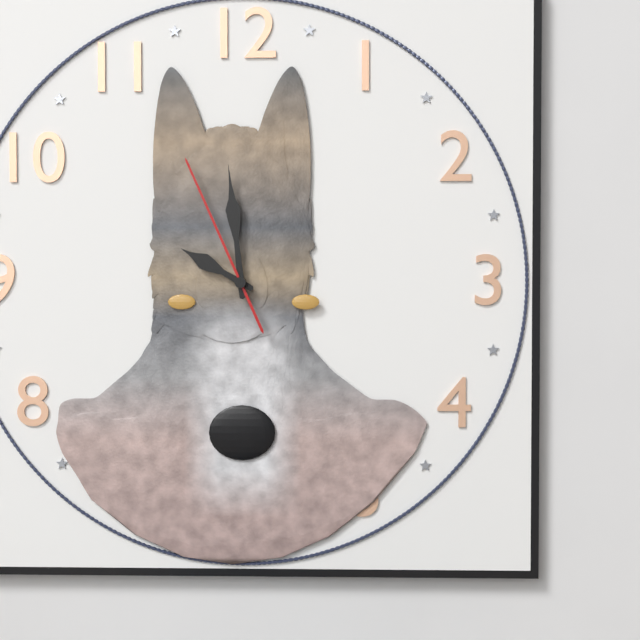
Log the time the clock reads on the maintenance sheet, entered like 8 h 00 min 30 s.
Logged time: 9 h 59 min 56 s
